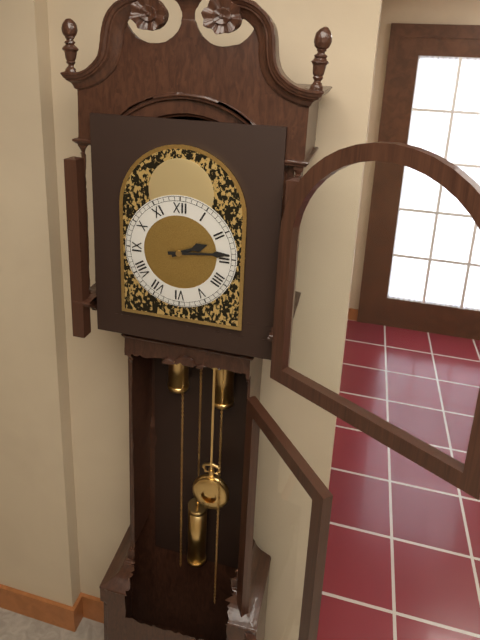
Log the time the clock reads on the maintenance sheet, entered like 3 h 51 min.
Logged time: 2 h 14 min
